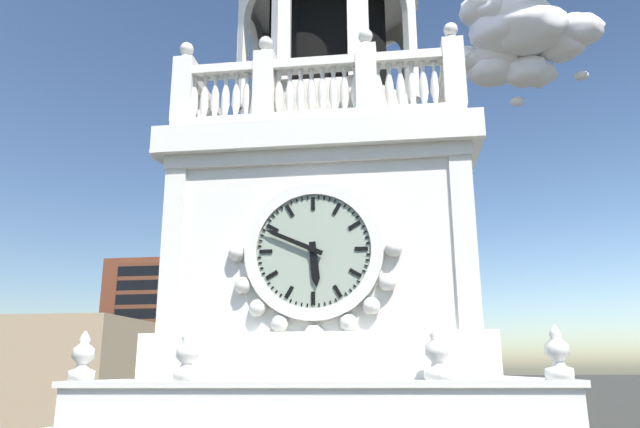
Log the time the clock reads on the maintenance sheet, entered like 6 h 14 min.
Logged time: 5 h 49 min
